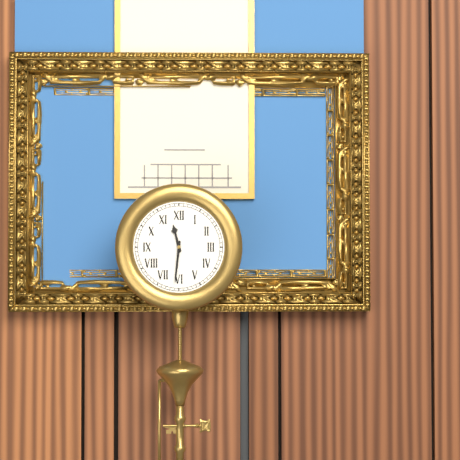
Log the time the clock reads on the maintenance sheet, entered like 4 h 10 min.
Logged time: 11 h 31 min
